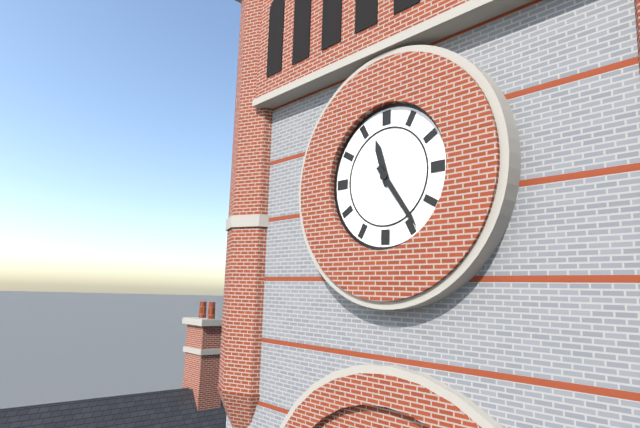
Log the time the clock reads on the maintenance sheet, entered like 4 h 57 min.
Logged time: 11 h 24 min
